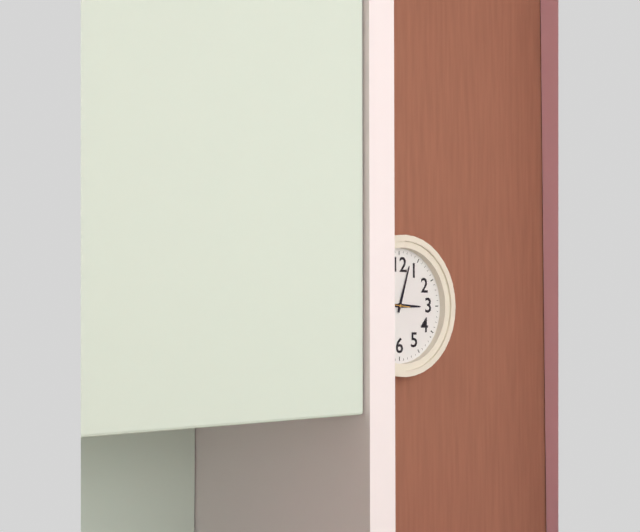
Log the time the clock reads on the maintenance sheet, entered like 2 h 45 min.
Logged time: 3 h 03 min
